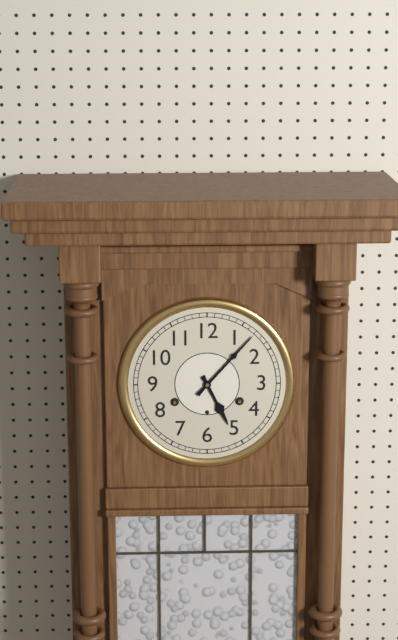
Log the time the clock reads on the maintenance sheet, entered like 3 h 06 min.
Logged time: 5 h 07 min
